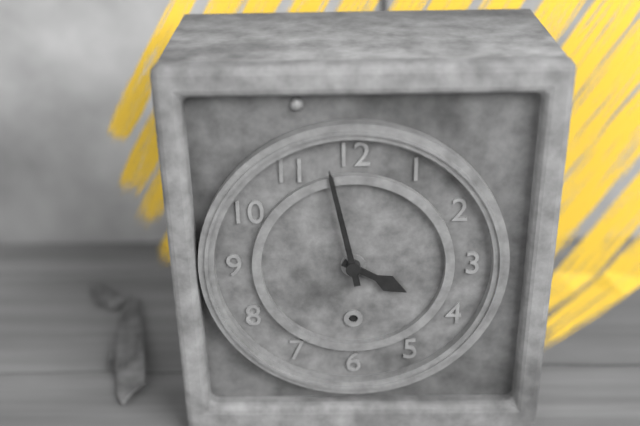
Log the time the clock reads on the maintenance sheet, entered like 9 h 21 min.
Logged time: 3 h 58 min
